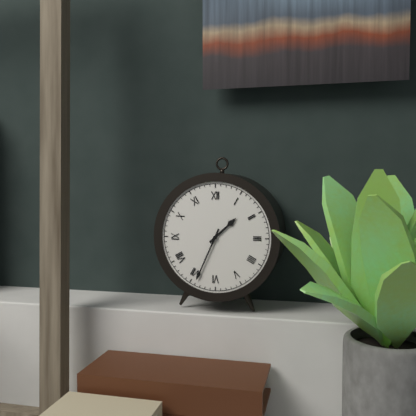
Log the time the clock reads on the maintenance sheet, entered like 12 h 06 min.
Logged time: 1 h 34 min
